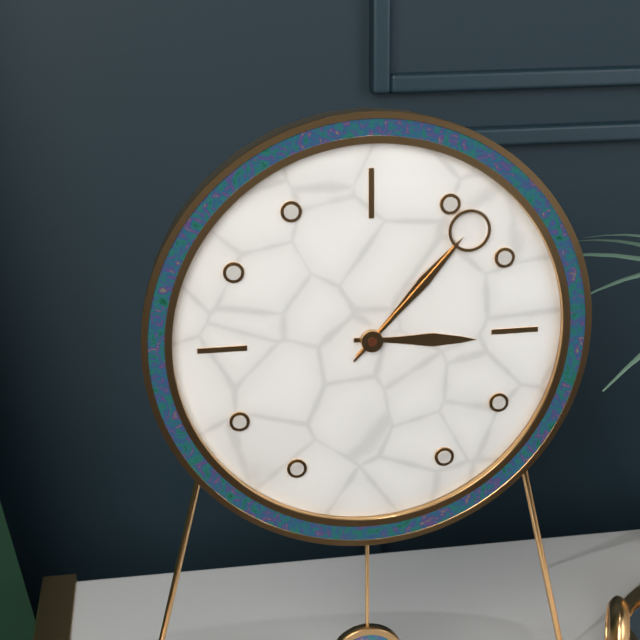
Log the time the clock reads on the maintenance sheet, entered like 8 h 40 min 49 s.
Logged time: 3 h 07 min 07 s
